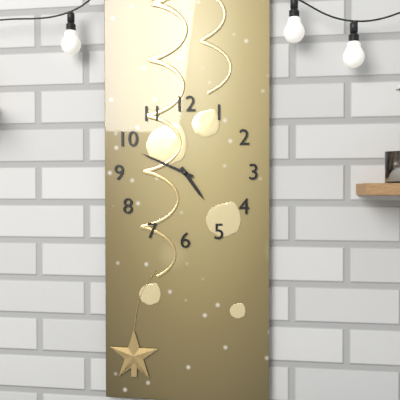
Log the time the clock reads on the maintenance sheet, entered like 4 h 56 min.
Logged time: 4 h 49 min
